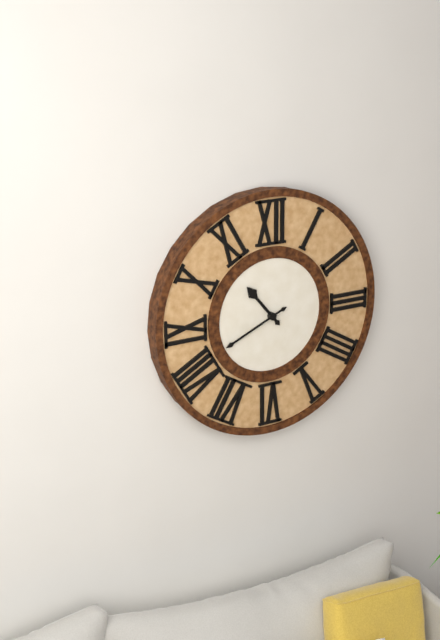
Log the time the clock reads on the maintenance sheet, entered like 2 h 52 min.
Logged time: 10 h 41 min
